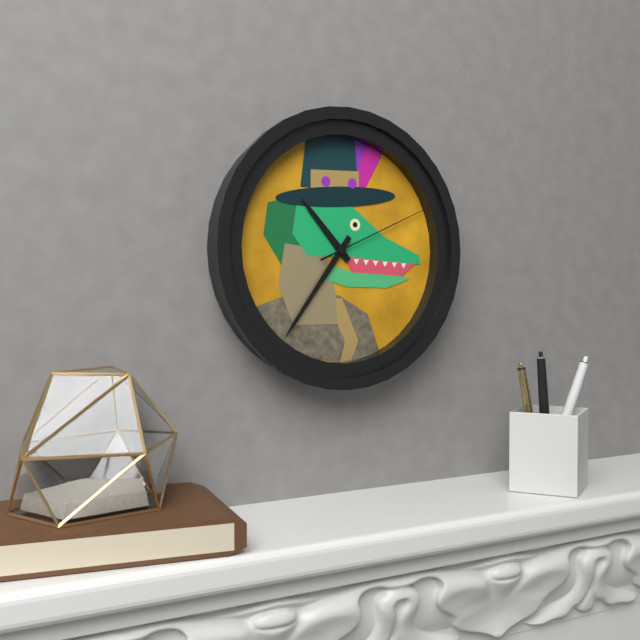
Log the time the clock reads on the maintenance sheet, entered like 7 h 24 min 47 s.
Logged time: 10 h 36 min 11 s
